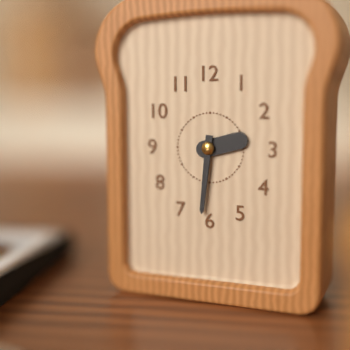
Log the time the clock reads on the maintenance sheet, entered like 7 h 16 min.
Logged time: 2 h 31 min
